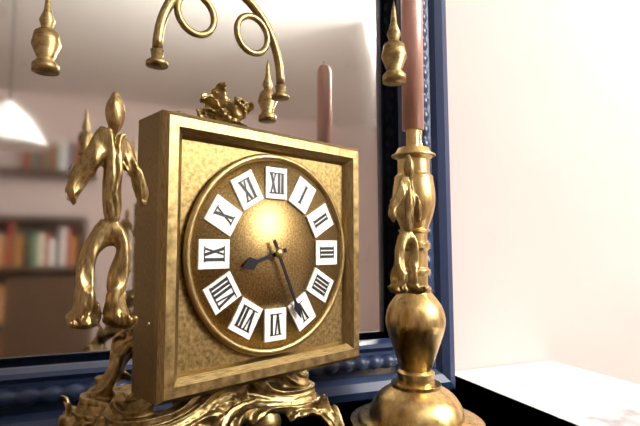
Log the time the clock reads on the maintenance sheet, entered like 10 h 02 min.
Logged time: 8 h 26 min
